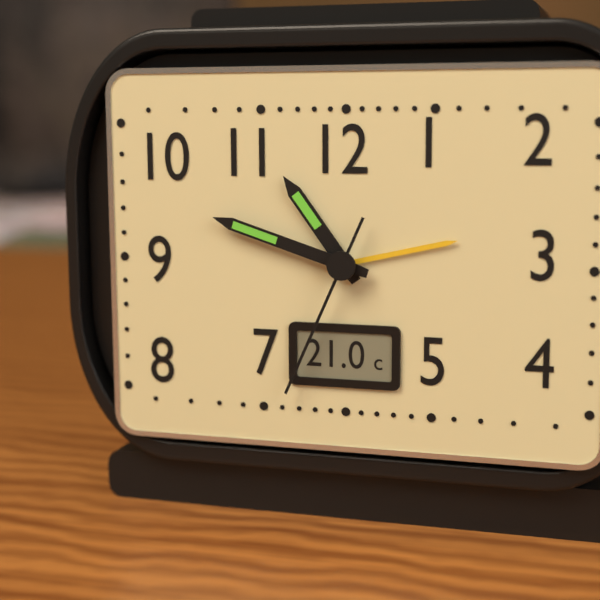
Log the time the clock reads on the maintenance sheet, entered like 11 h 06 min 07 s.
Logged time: 10 h 48 min 34 s
